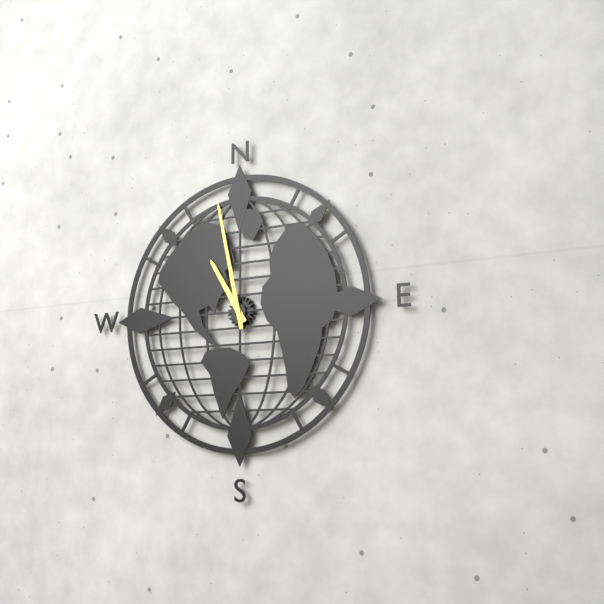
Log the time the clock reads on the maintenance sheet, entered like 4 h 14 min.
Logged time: 10 h 58 min
